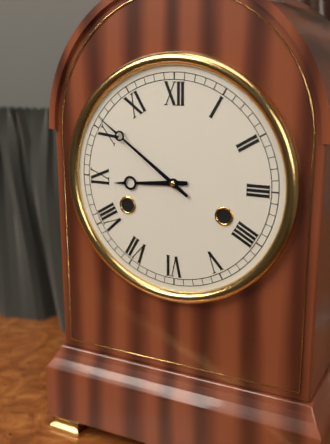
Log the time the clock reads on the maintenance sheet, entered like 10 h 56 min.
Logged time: 8 h 51 min
